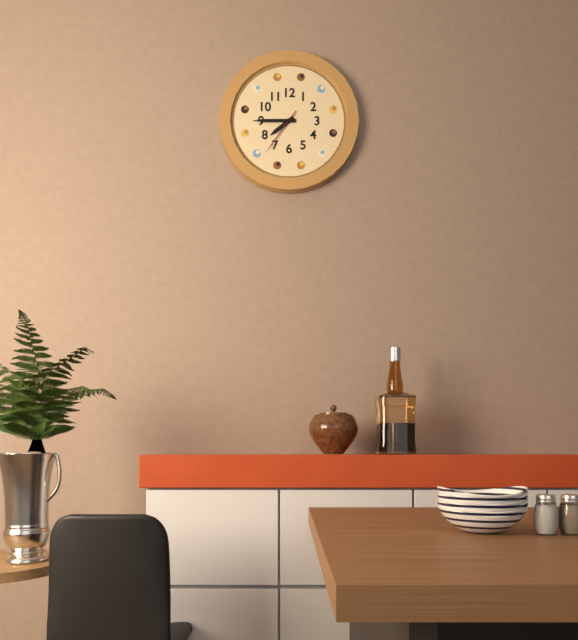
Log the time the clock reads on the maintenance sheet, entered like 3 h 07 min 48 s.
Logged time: 7 h 45 min 36 s
